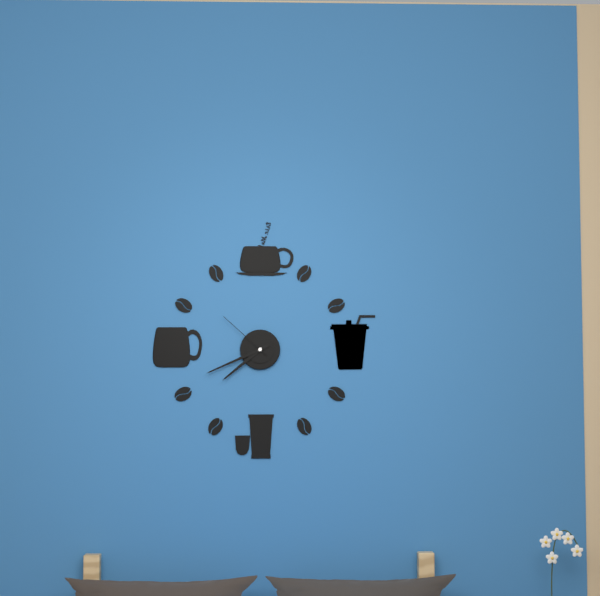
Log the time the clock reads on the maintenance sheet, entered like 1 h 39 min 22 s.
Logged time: 7 h 41 min 52 s
